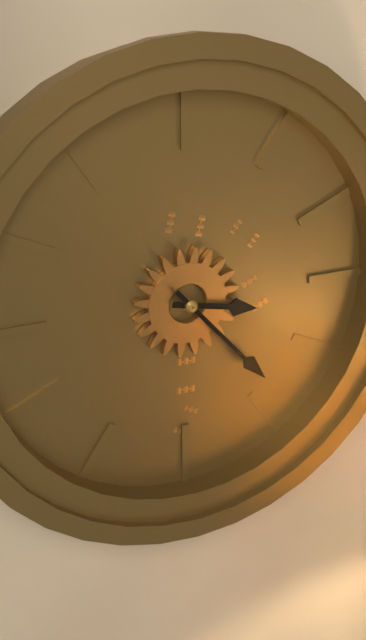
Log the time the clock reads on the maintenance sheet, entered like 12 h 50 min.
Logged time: 3 h 23 min
